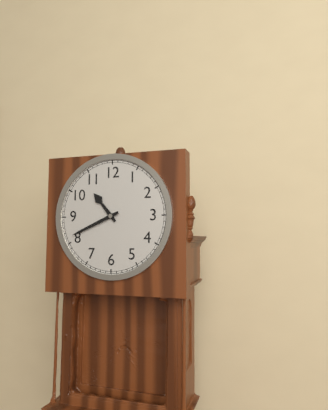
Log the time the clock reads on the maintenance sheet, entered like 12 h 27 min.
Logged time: 10 h 41 min
